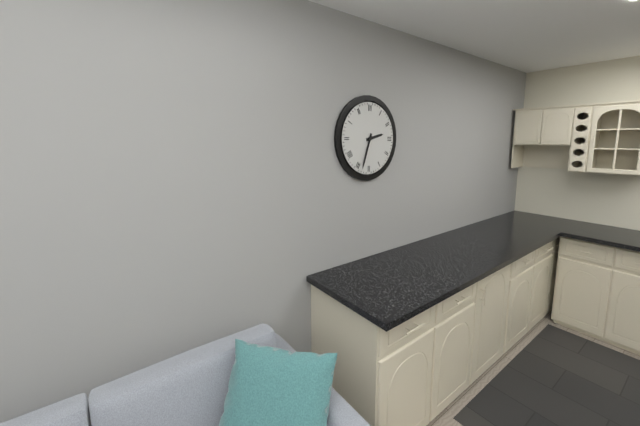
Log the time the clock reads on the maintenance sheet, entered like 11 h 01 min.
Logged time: 2 h 33 min
